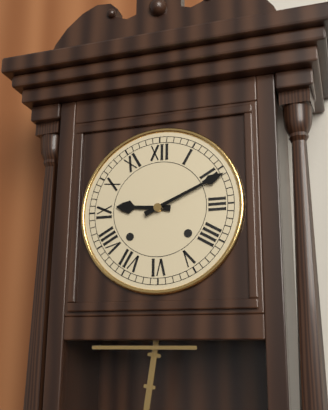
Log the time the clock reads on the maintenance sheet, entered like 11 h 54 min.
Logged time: 9 h 11 min
